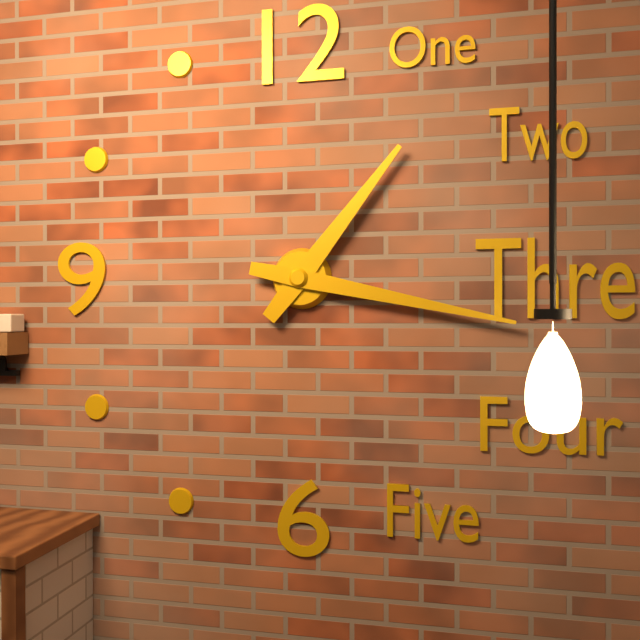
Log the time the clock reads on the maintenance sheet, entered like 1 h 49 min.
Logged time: 1 h 17 min
